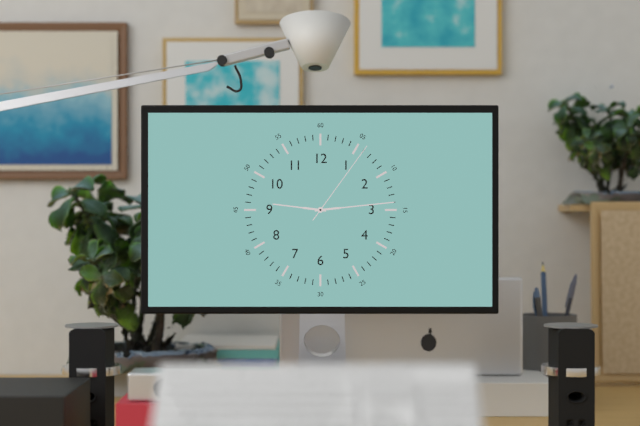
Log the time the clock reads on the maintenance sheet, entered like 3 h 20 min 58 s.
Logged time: 9 h 14 min 06 s
